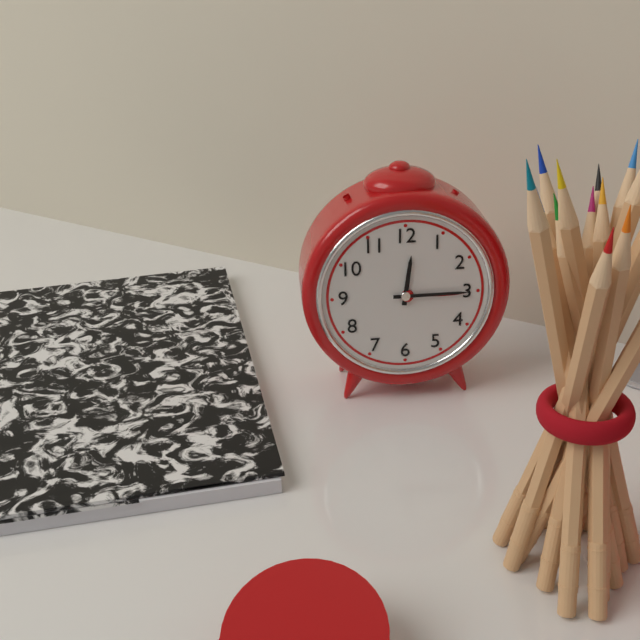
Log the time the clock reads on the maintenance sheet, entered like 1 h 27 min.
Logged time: 12 h 15 min
